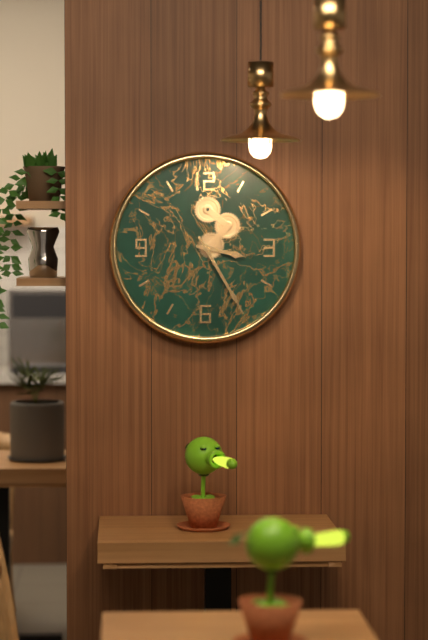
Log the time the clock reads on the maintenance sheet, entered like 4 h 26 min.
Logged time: 3 h 25 min
